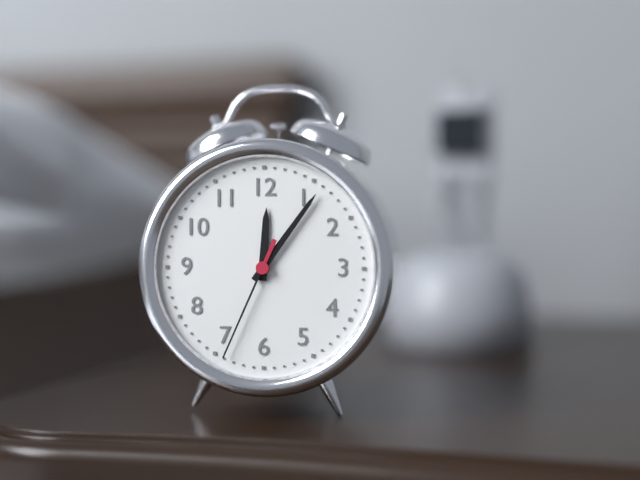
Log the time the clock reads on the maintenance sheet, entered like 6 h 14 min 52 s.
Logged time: 12 h 06 min 34 s
